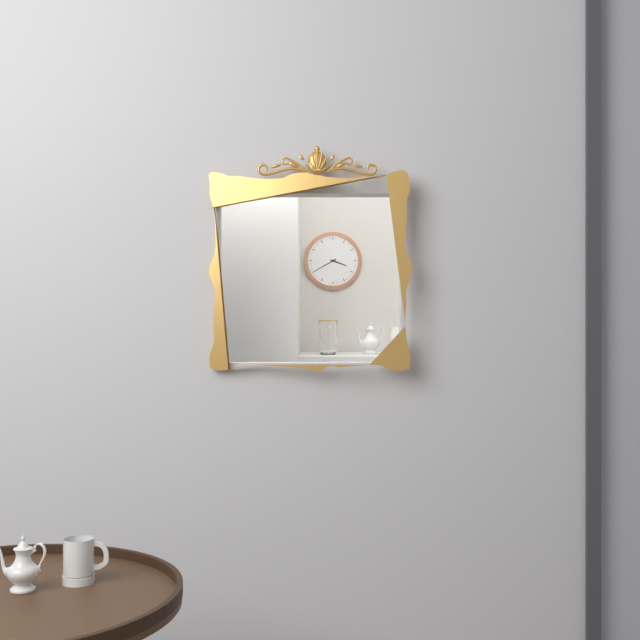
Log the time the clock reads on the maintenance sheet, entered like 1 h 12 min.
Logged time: 3 h 40 min
